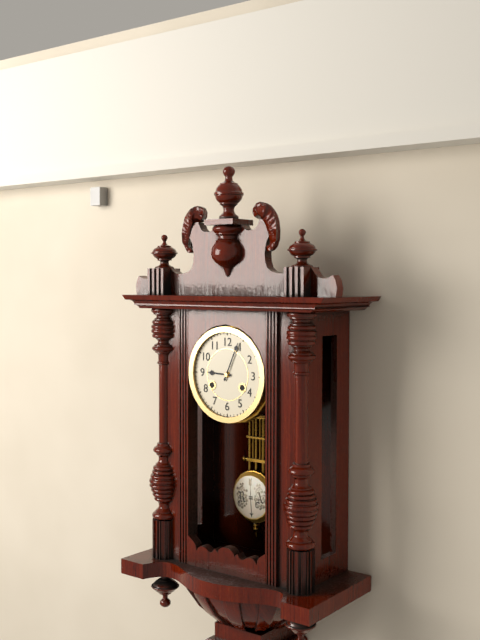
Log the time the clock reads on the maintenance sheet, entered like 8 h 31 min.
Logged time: 9 h 04 min
